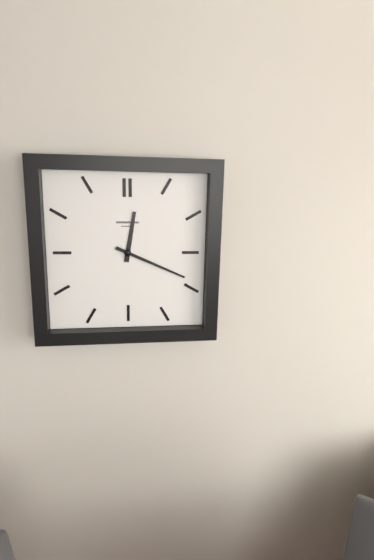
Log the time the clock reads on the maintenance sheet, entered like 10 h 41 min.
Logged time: 12 h 19 min
